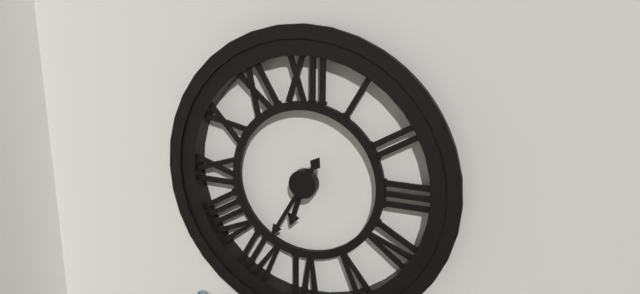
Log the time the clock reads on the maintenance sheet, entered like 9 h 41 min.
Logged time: 6 h 35 min
